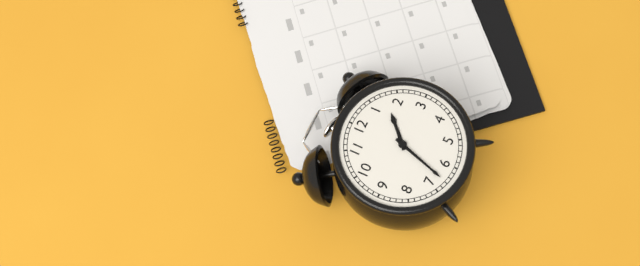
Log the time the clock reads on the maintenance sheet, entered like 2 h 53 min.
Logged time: 1 h 33 min
